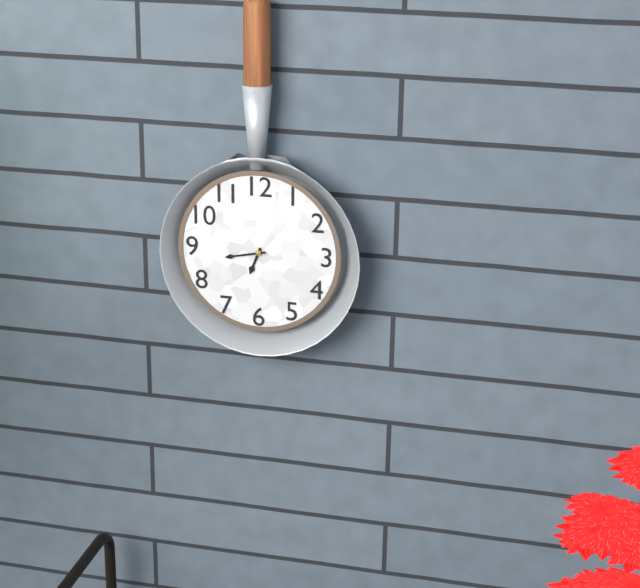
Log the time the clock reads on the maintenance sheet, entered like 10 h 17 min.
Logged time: 6 h 43 min
